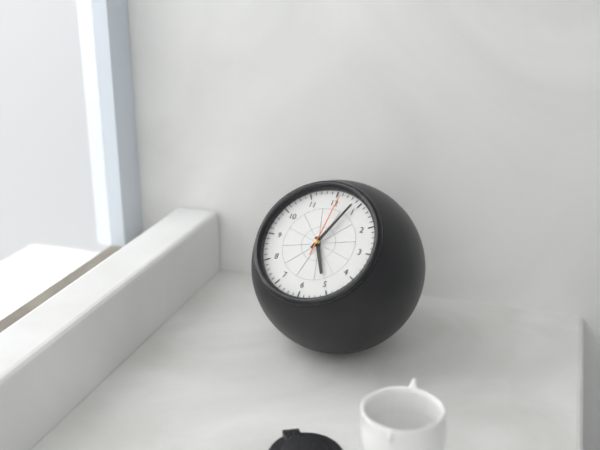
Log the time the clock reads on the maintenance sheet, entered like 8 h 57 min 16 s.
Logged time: 5 h 04 min 01 s
